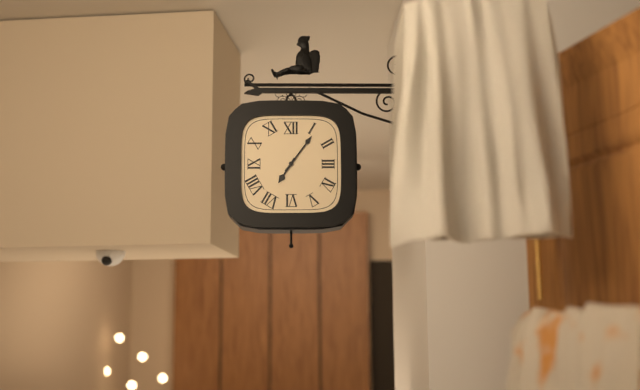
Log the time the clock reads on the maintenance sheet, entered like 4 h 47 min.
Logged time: 7 h 06 min
